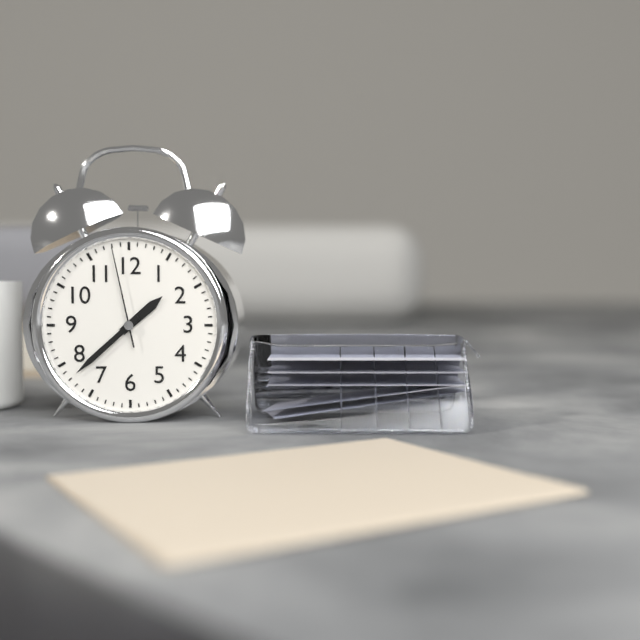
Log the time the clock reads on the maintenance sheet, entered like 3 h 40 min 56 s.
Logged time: 1 h 38 min 58 s
